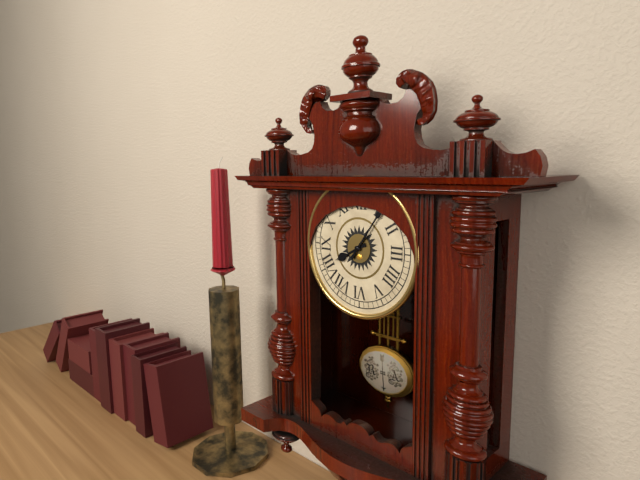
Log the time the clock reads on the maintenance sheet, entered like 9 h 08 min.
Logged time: 8 h 06 min
